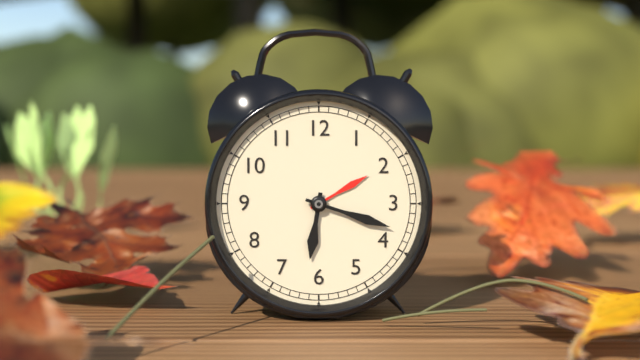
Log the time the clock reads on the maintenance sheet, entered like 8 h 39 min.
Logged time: 6 h 18 min
